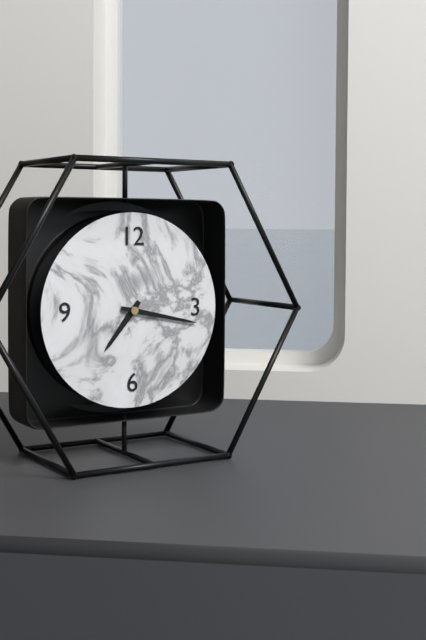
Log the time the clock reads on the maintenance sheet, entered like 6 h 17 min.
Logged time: 7 h 17 min
